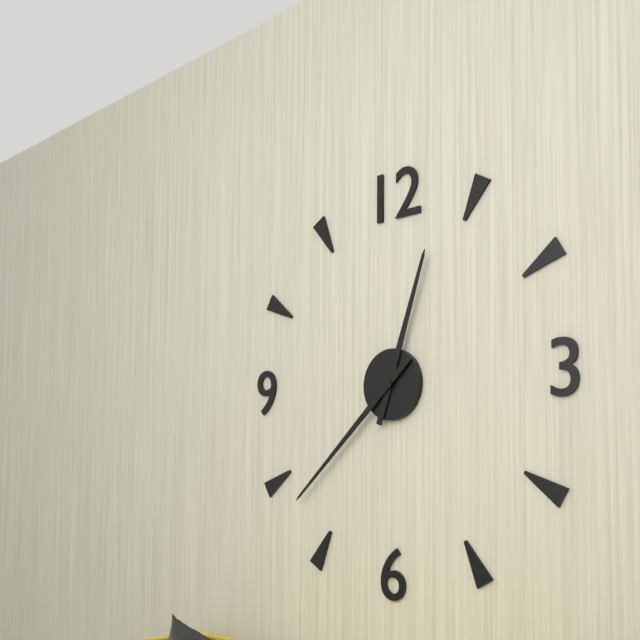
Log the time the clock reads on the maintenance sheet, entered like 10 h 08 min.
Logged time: 12 h 38 min
